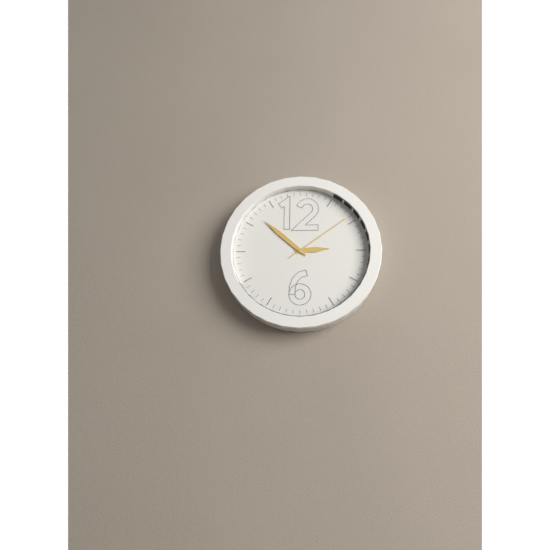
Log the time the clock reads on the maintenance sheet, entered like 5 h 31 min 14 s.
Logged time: 2 h 52 min 09 s
